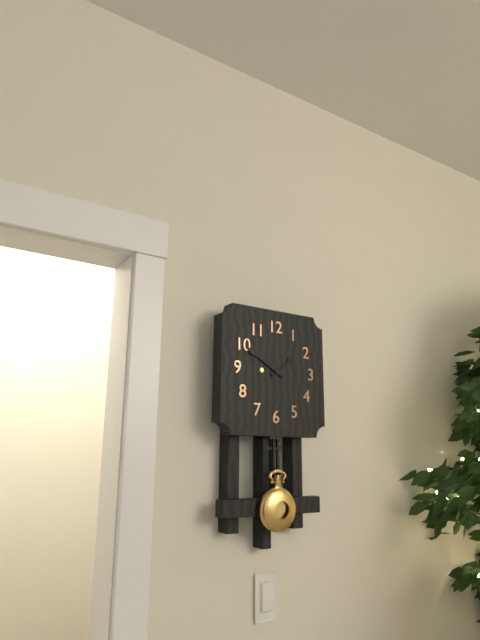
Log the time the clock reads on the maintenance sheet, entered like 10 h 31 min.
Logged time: 1 h 50 min
